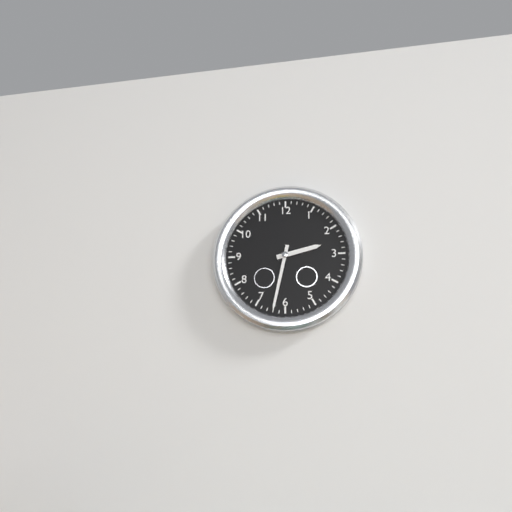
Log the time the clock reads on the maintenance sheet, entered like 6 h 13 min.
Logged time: 2 h 32 min
